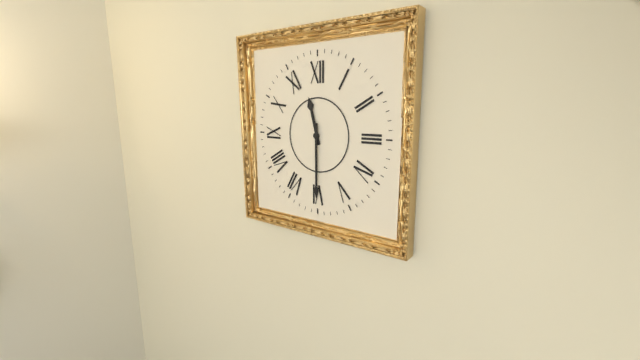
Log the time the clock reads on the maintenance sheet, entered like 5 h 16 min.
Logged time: 11 h 30 min
